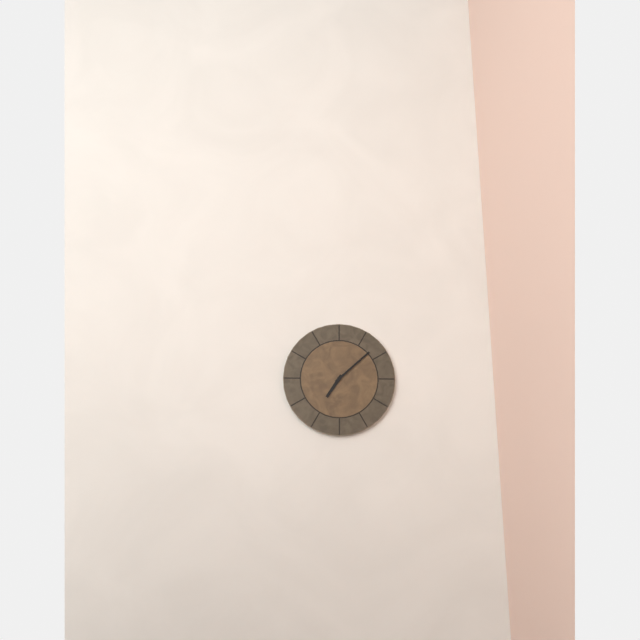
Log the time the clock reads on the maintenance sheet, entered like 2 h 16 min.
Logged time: 7 h 08 min
